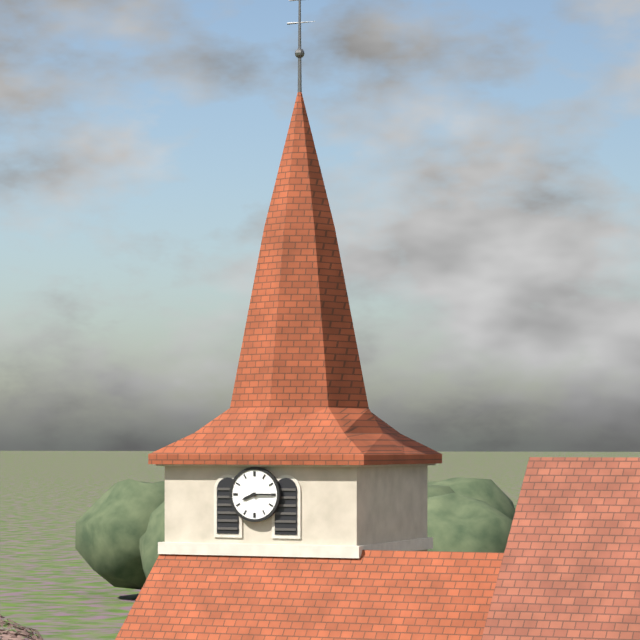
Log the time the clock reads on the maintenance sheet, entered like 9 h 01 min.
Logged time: 8 h 15 min
